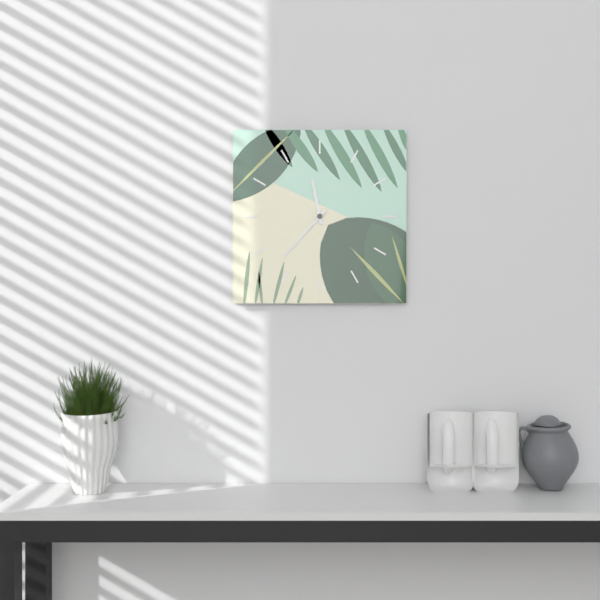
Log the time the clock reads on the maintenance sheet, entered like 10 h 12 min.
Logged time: 11 h 37 min
